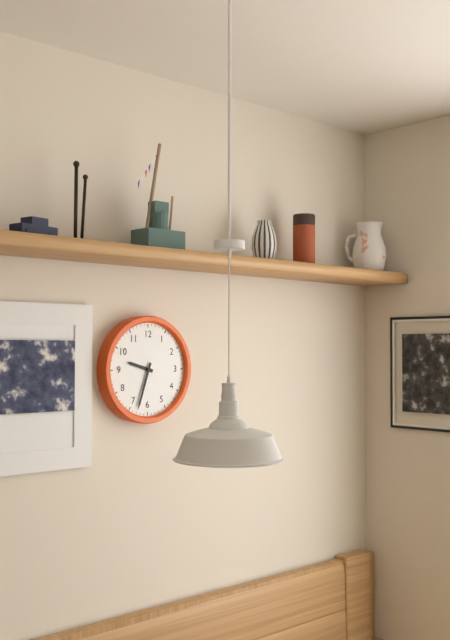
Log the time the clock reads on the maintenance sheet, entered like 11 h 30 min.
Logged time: 9 h 33 min
